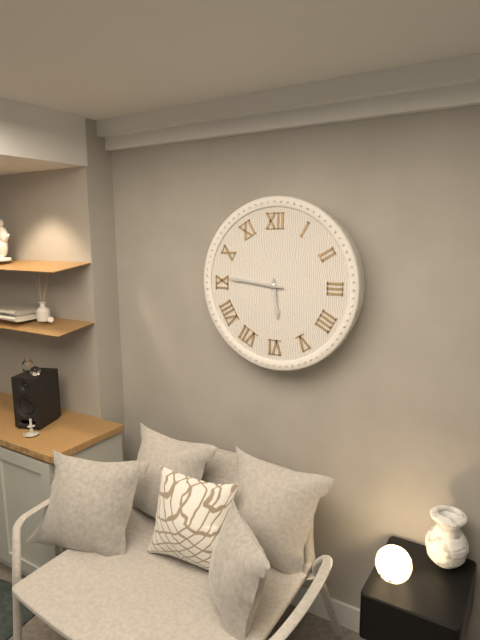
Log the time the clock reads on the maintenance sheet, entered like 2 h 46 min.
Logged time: 5 h 46 min
